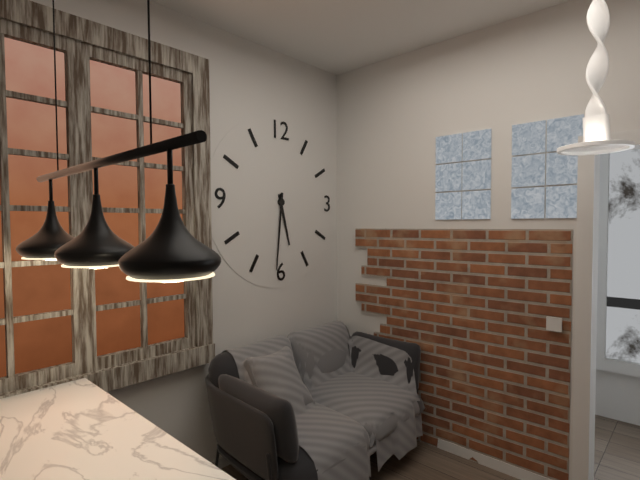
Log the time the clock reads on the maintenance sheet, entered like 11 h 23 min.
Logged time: 5 h 31 min
